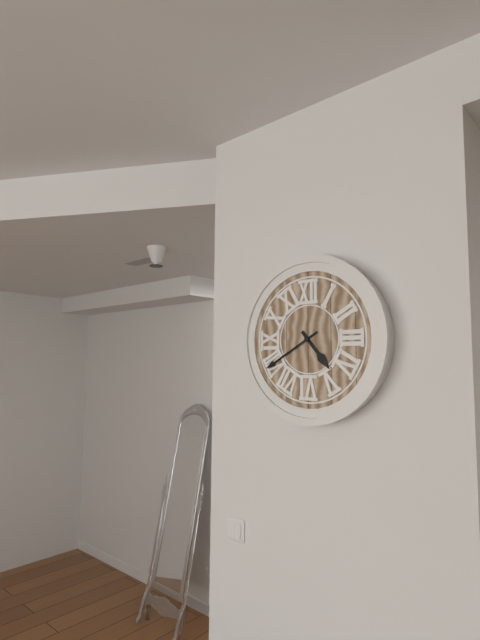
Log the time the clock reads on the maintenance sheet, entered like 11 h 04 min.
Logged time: 4 h 40 min
